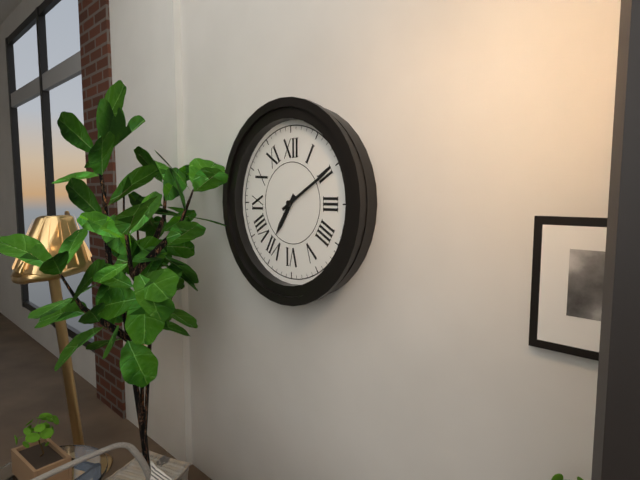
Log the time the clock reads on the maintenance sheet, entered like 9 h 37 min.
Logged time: 7 h 10 min
